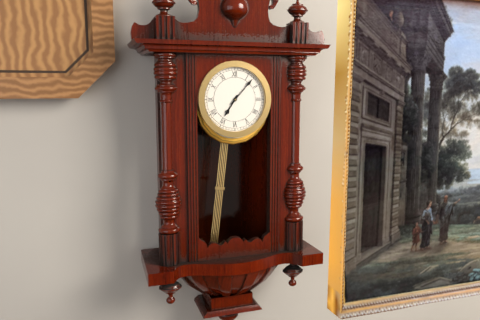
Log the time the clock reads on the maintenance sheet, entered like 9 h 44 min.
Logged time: 7 h 07 min
